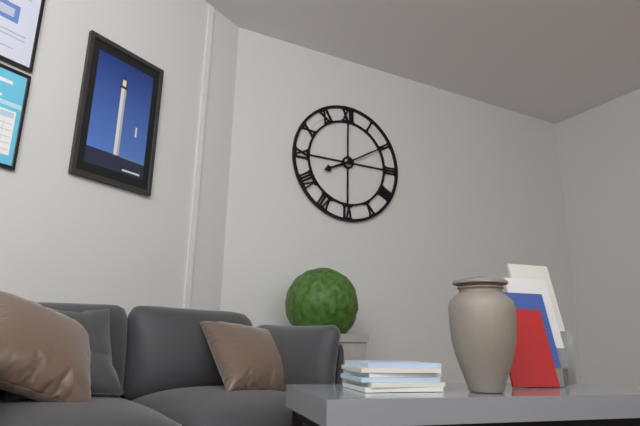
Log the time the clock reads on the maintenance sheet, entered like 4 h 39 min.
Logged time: 8 h 10 min
